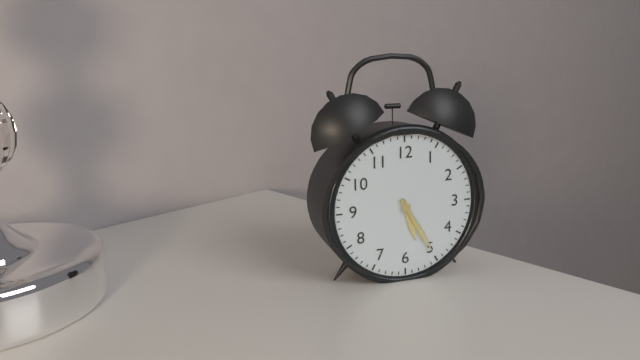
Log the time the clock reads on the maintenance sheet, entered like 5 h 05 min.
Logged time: 5 h 25 min
